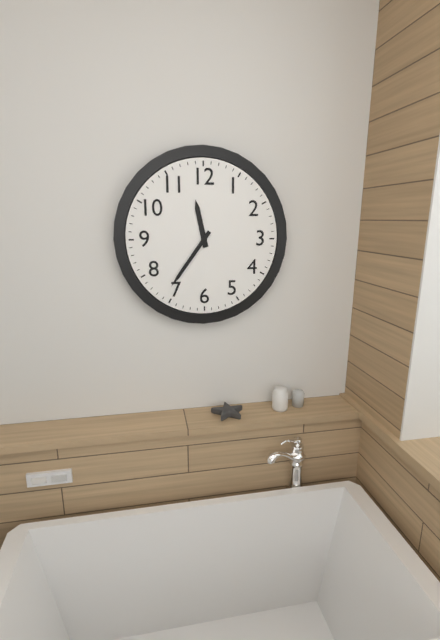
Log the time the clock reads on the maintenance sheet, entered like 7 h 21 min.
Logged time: 11 h 36 min
